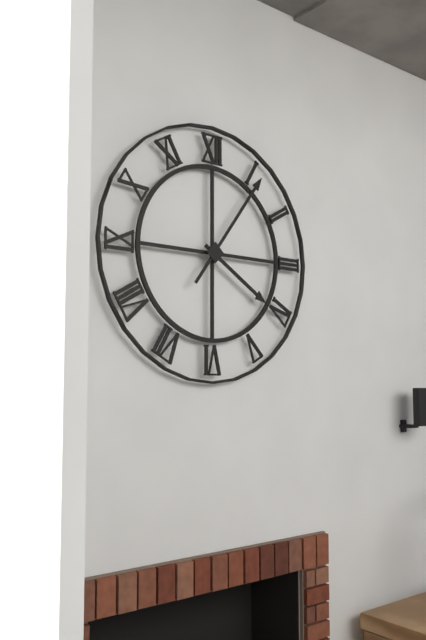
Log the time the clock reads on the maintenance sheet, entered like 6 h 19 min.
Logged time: 4 h 06 min
